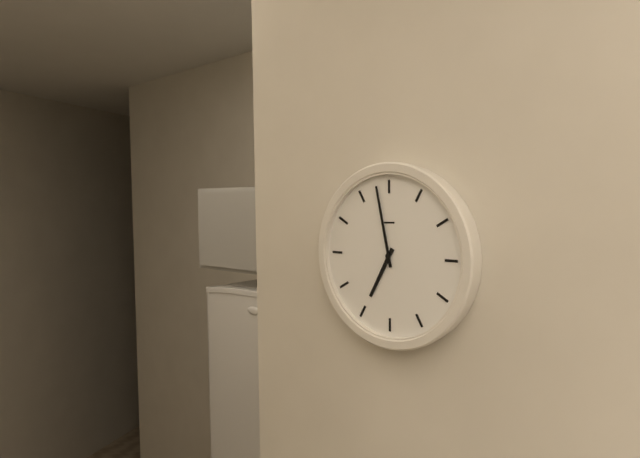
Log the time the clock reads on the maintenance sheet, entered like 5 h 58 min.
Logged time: 6 h 58 min
